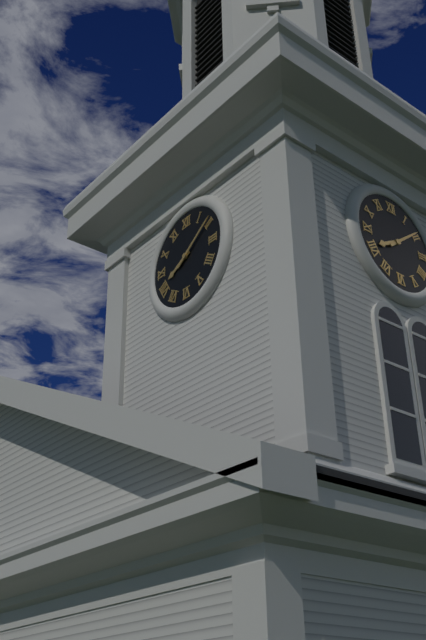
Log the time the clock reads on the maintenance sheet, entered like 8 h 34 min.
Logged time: 8 h 09 min
